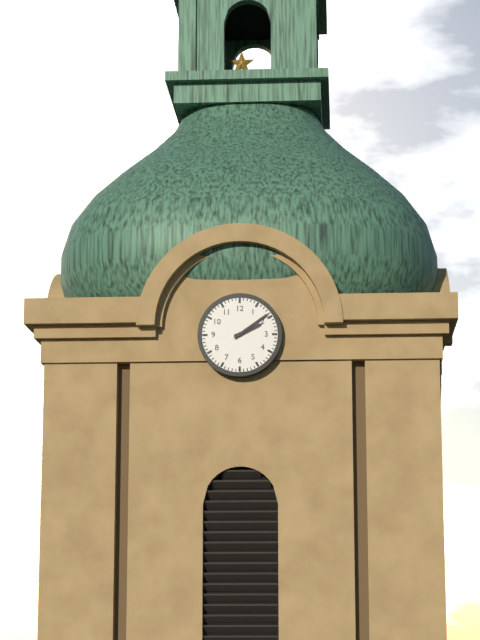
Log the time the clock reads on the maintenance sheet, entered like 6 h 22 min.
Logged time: 2 h 09 min
